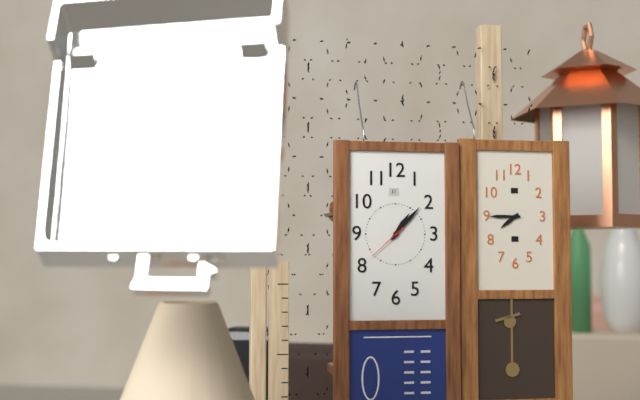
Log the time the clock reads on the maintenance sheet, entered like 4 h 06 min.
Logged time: 1 h 07 min
